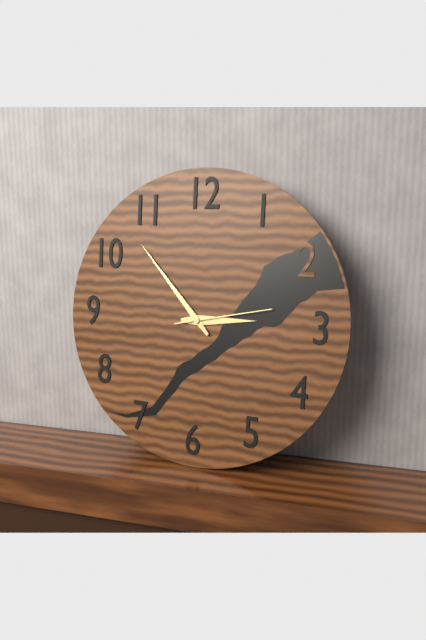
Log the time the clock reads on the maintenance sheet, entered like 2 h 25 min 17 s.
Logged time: 2 h 53 min 13 s
